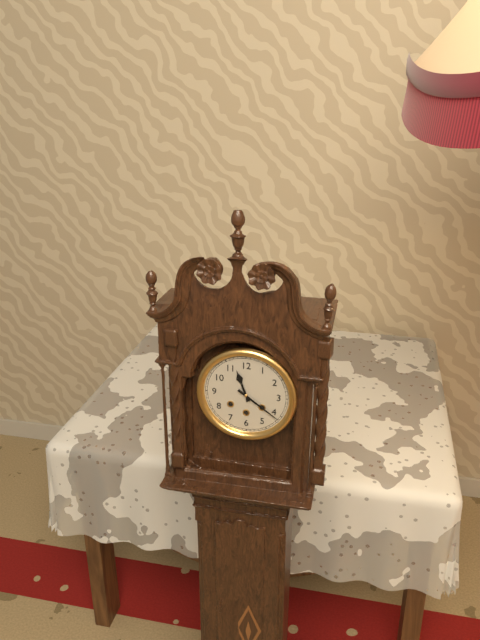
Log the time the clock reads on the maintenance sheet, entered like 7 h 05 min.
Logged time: 11 h 21 min
